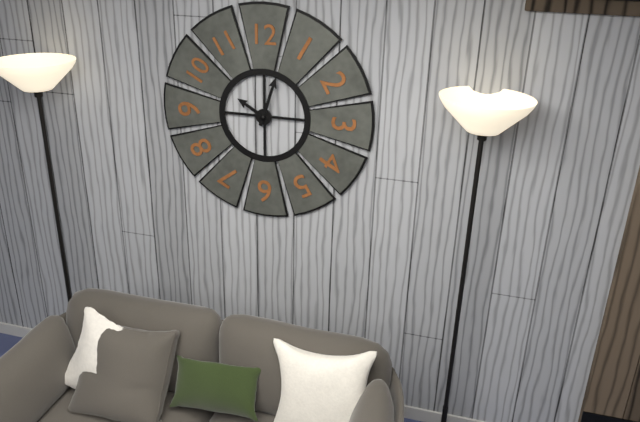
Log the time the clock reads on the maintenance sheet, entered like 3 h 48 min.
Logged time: 10 h 03 min
